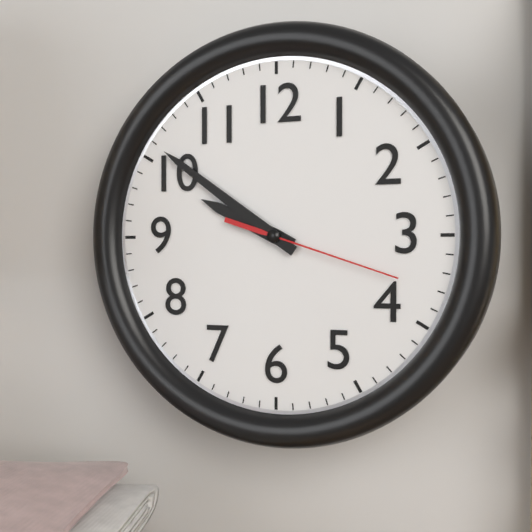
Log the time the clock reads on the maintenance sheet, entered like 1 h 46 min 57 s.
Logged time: 9 h 51 min 18 s
